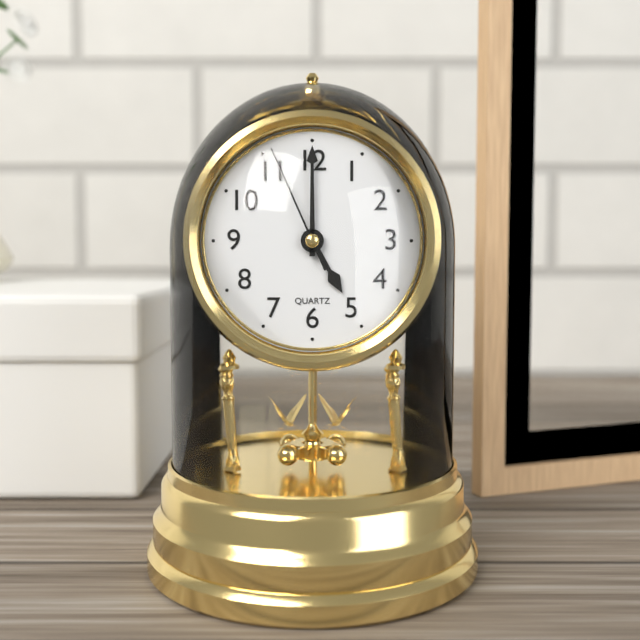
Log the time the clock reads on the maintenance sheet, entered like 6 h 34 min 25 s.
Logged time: 5 h 00 min 56 s
